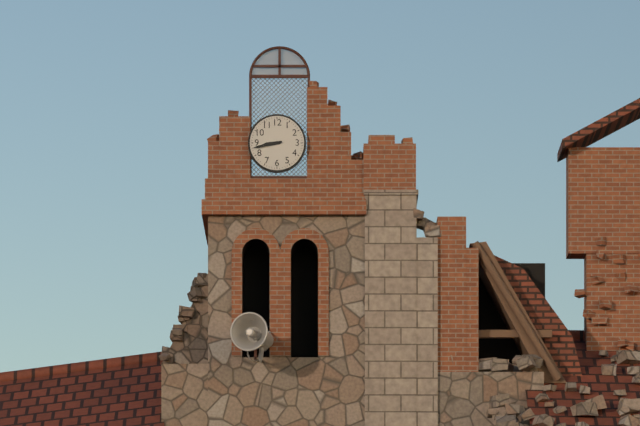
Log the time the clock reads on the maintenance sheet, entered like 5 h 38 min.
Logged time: 8 h 43 min
